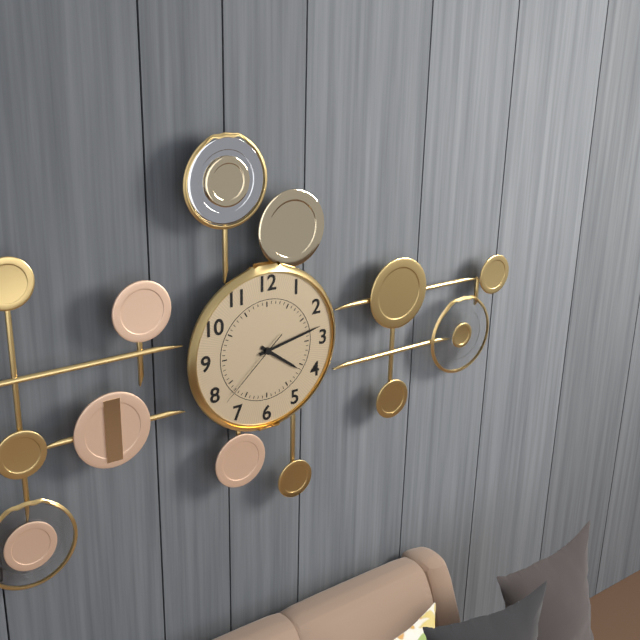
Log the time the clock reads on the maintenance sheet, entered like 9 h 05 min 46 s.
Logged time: 4 h 13 min 38 s
